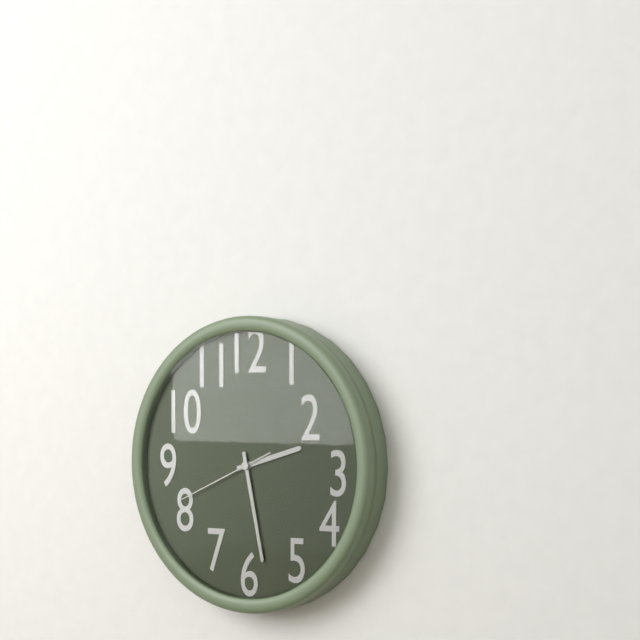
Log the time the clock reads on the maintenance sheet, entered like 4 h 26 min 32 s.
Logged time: 2 h 28 min 41 s
